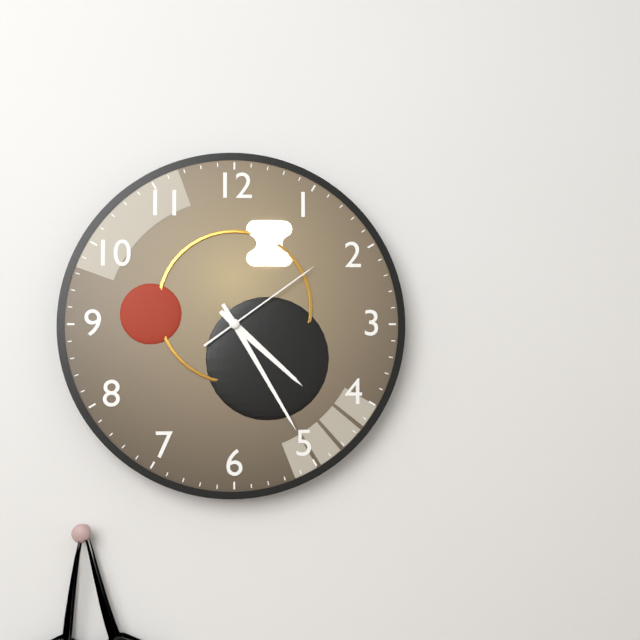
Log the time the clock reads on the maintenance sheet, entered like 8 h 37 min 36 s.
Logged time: 4 h 25 min 09 s
